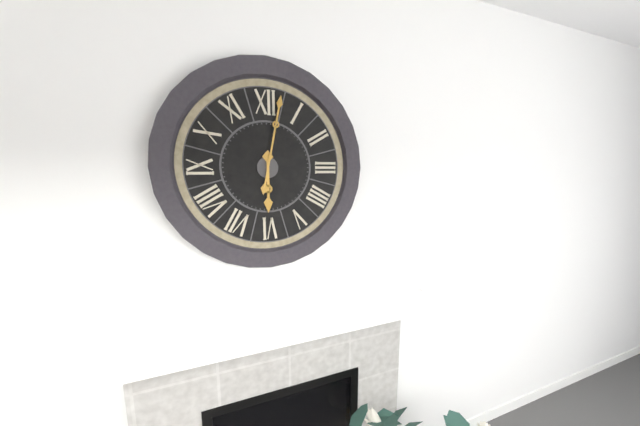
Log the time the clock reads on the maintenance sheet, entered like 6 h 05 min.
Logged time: 6 h 02 min
